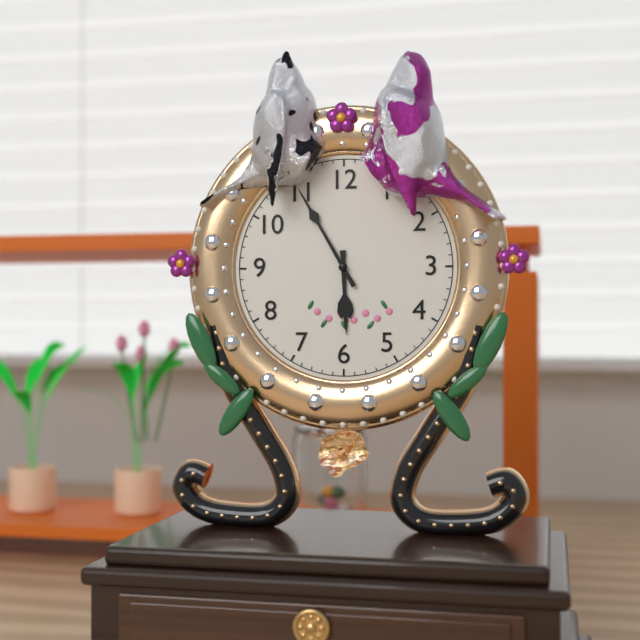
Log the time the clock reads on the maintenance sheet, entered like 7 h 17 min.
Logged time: 5 h 55 min
